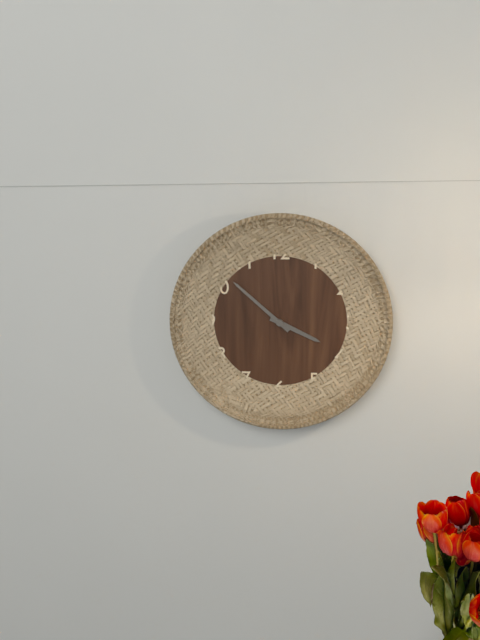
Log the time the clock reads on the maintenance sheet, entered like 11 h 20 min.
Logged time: 3 h 52 min
